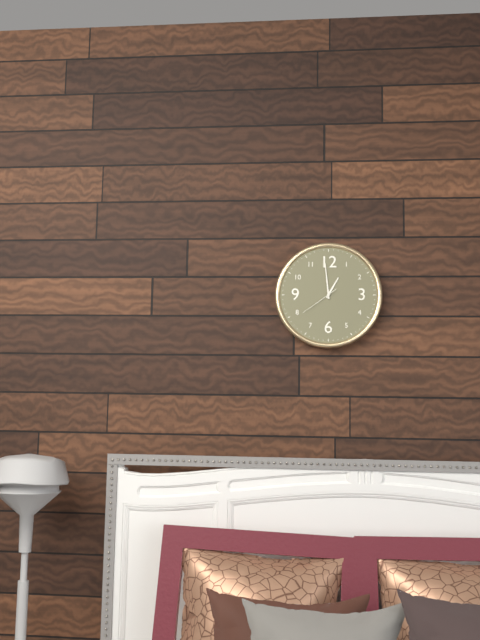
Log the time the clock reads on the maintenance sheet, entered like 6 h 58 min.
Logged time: 12 h 59 min
